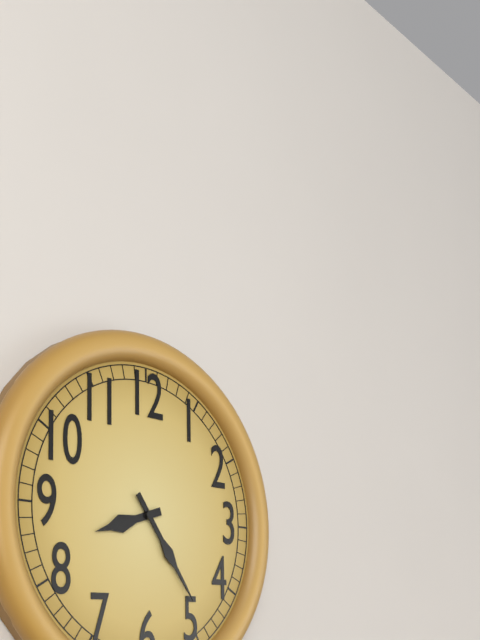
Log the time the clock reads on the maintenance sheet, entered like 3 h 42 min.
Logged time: 8 h 24 min
